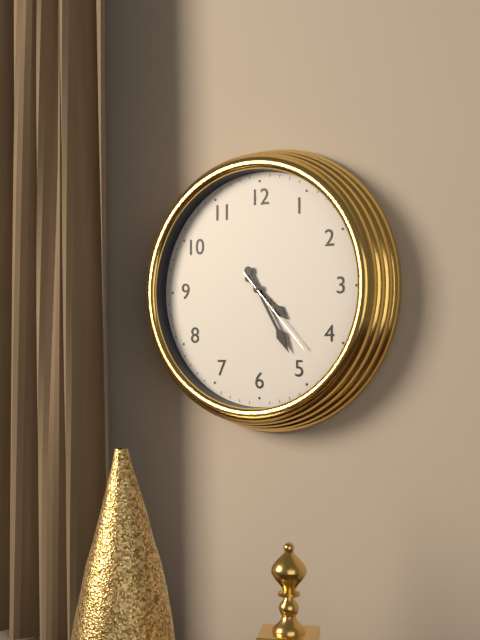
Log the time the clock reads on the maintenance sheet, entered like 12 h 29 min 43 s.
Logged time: 4 h 25 min 23 s
